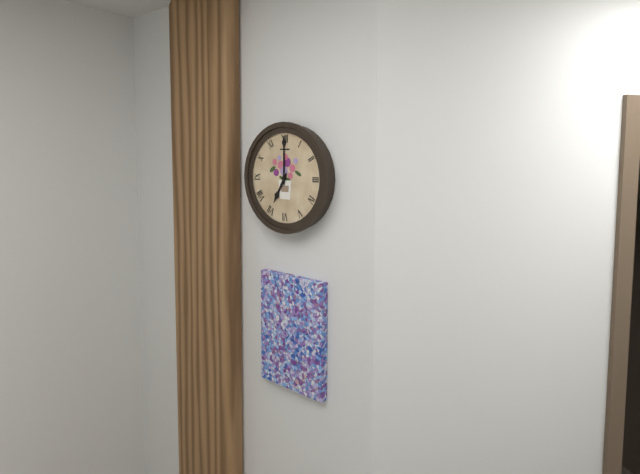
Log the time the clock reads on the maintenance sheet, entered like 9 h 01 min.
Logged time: 7 h 00 min
